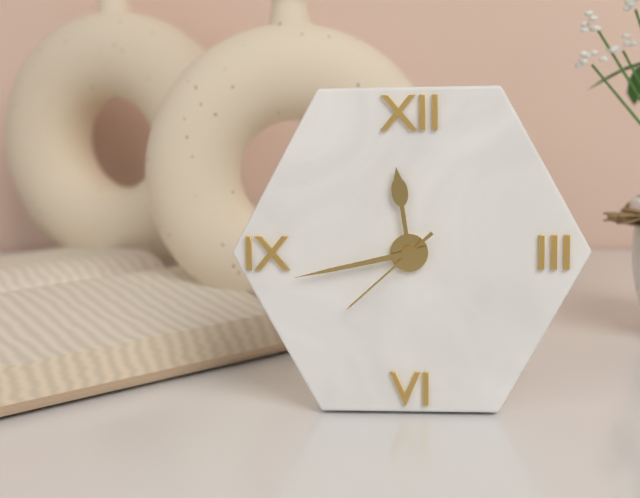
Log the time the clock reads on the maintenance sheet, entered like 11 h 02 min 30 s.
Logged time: 11 h 43 min 38 s
